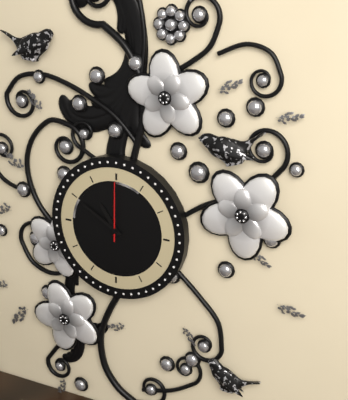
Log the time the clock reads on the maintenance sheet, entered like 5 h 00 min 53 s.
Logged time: 10 h 50 min 00 s
